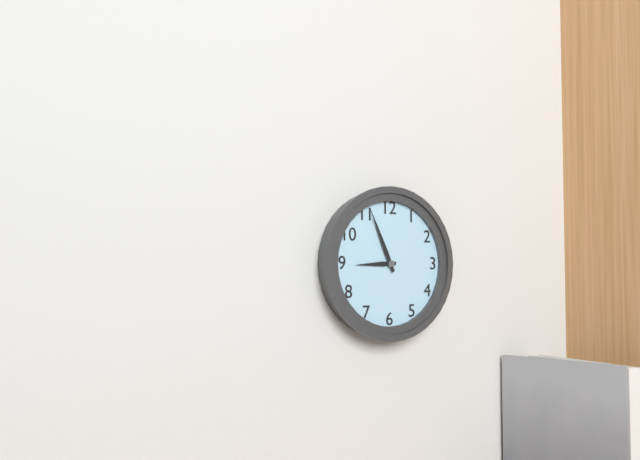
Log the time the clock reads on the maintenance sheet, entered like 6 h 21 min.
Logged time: 8 h 56 min
